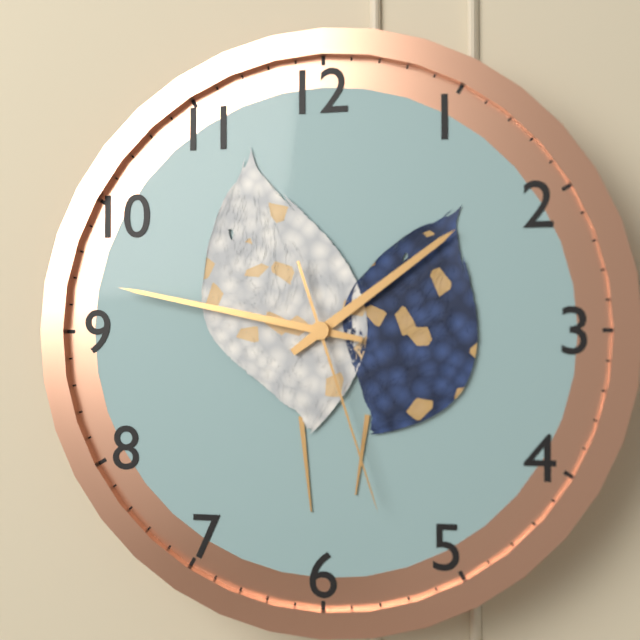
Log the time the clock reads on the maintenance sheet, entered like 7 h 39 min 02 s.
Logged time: 1 h 47 min 27 s
